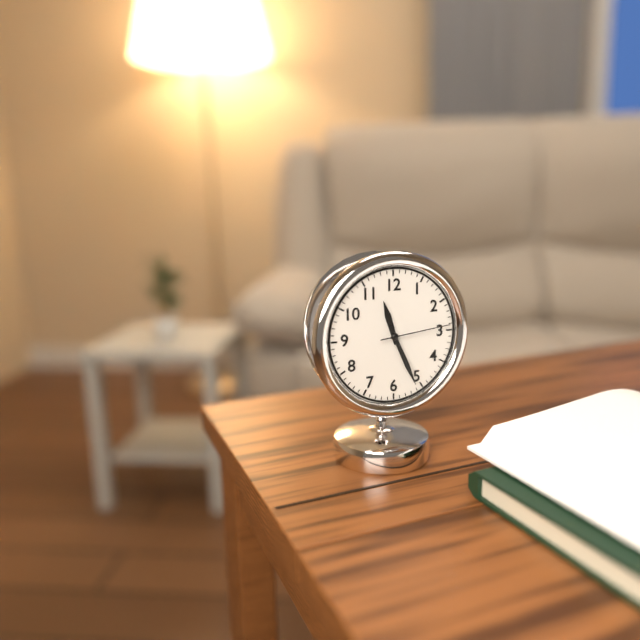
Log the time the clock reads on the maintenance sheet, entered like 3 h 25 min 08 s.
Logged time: 11 h 26 min 14 s
